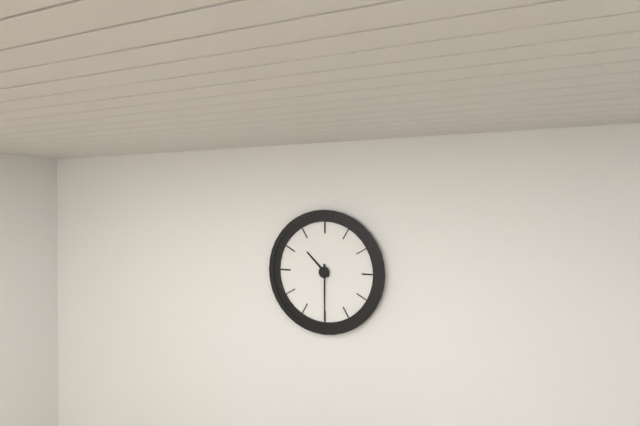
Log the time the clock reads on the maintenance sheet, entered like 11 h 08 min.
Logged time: 10 h 30 min
